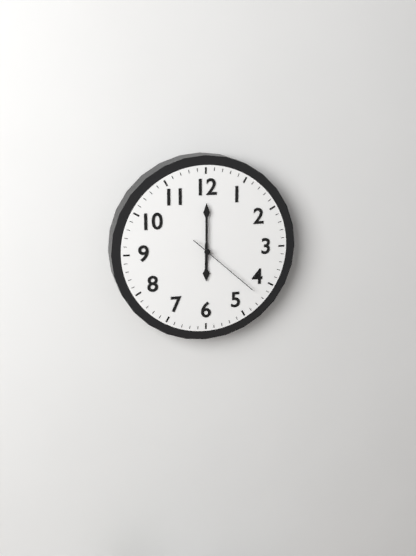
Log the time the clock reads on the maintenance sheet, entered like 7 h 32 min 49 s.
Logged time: 6 h 00 min 22 s
